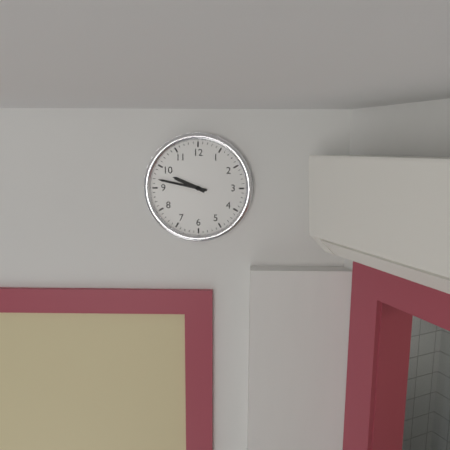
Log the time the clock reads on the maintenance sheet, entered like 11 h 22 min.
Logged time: 9 h 47 min
